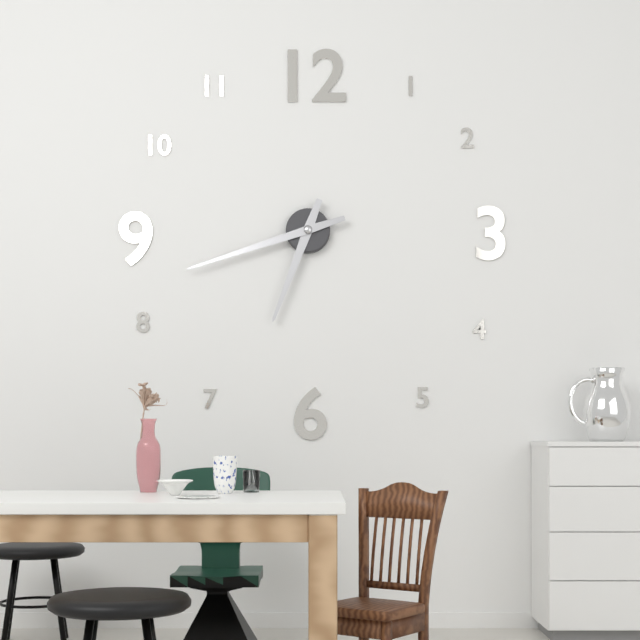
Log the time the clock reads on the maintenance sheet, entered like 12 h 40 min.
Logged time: 6 h 42 min
